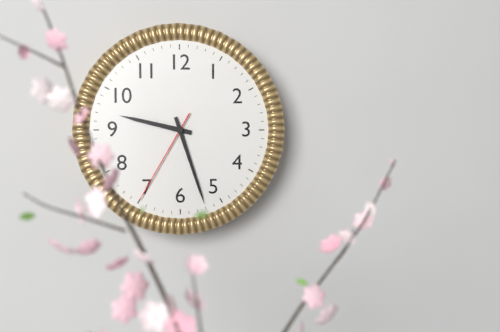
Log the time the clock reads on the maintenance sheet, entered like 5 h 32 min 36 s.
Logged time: 9 h 27 min 35 s
